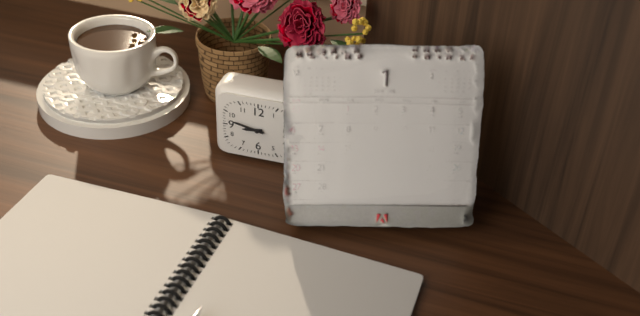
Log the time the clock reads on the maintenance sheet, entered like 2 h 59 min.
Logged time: 8 h 47 min
